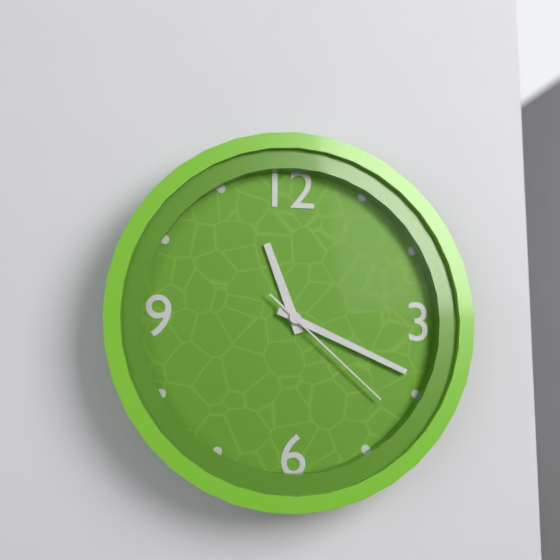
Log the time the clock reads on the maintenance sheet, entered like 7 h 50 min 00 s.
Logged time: 11 h 19 min 22 s
